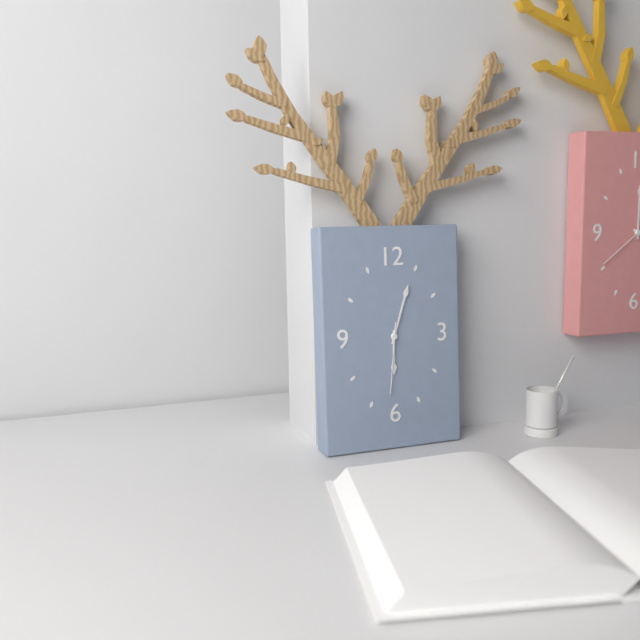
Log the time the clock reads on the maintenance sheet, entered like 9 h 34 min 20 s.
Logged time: 6 h 03 min 31 s
